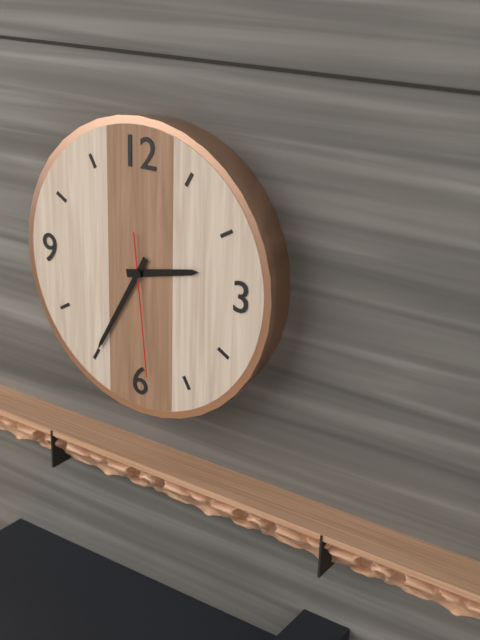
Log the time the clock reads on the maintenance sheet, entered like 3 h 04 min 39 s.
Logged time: 2 h 35 min 29 s
